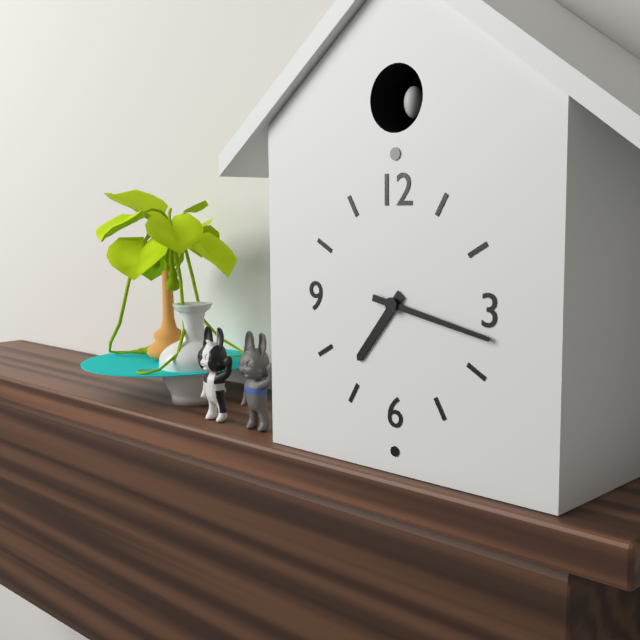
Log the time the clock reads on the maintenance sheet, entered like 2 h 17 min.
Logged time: 7 h 17 min
